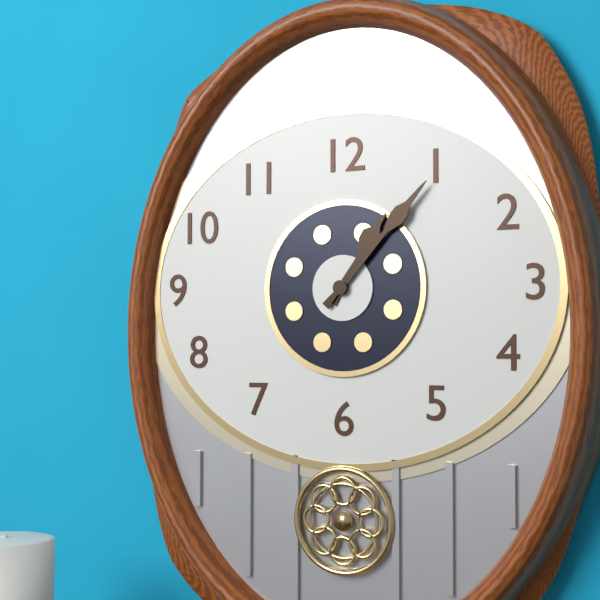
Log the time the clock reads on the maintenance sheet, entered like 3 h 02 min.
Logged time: 1 h 07 min
